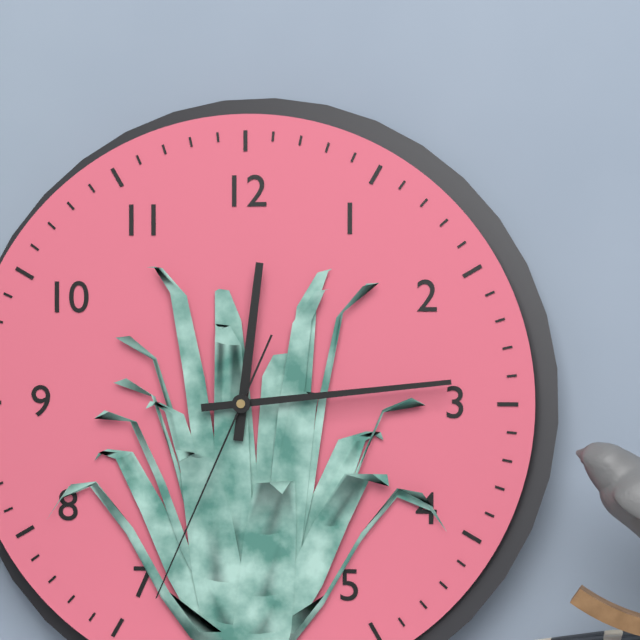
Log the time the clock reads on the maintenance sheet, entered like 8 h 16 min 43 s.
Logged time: 12 h 14 min 34 s
